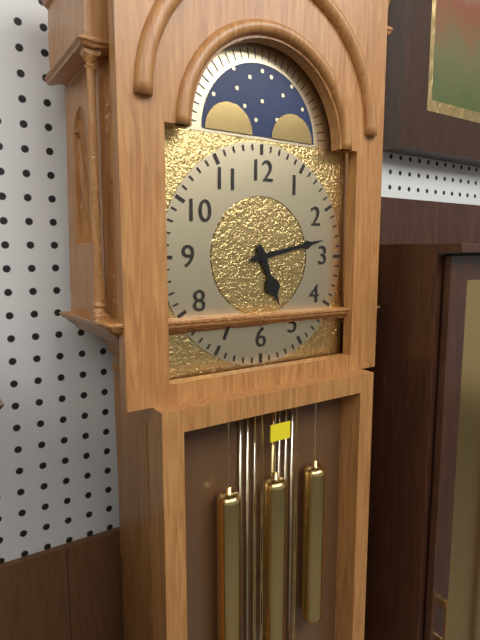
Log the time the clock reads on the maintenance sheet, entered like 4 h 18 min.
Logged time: 5 h 13 min
